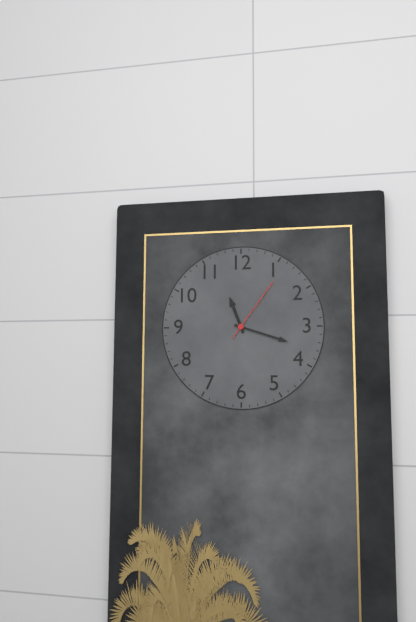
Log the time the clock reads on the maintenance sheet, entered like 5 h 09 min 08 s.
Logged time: 11 h 18 min 06 s
